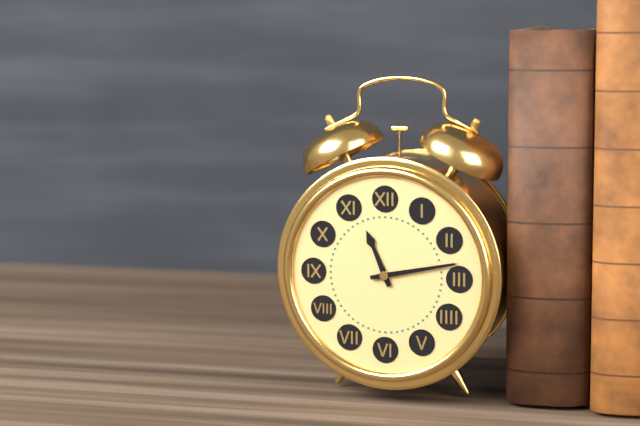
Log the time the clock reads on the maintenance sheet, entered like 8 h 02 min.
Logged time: 11 h 13 min
